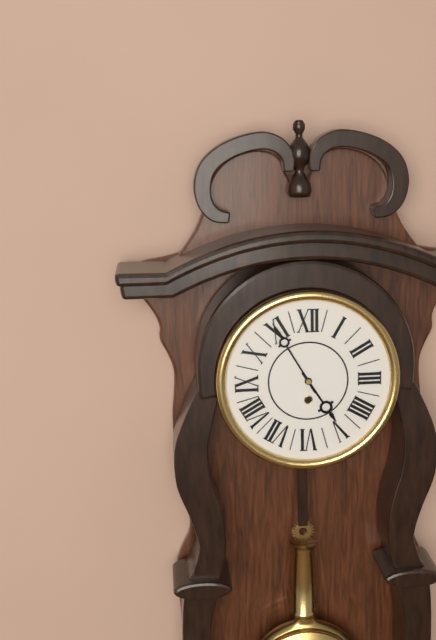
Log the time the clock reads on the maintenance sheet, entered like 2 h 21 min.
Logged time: 4 h 55 min
